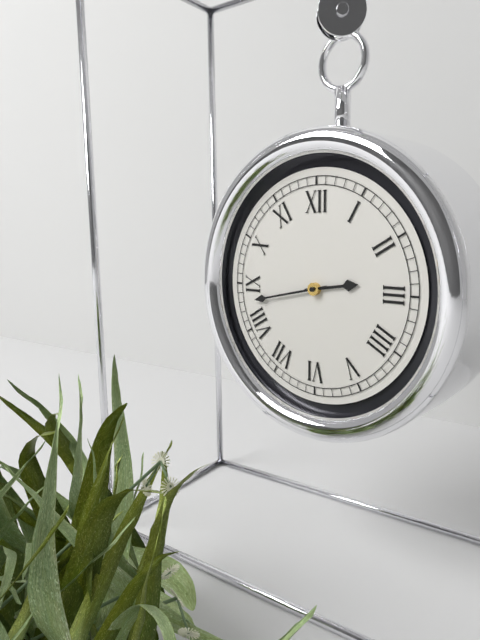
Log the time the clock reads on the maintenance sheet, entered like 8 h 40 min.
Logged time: 2 h 43 min
